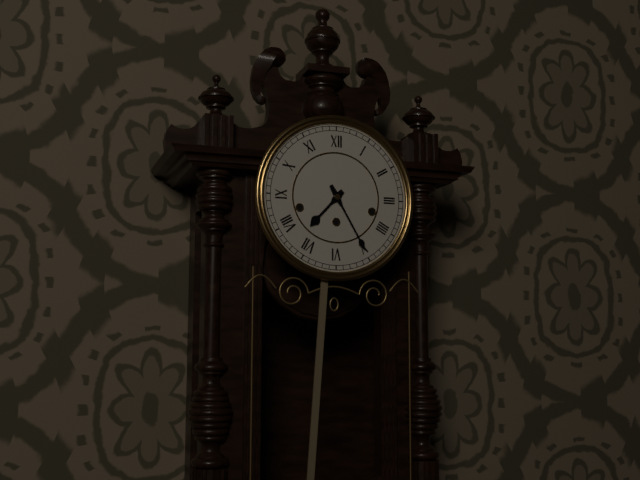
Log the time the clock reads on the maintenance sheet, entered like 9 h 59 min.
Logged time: 7 h 25 min
